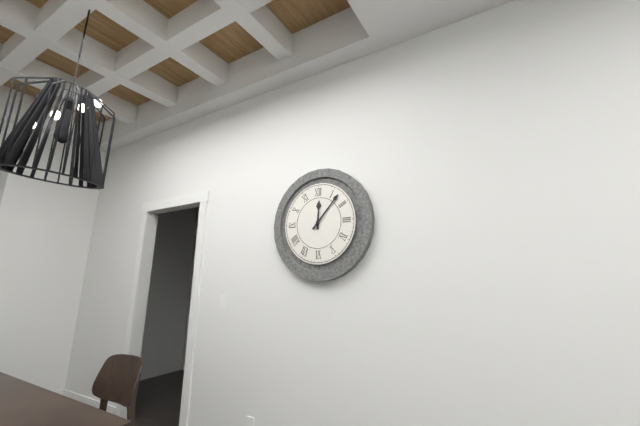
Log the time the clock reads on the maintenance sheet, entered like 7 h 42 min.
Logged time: 12 h 07 min
